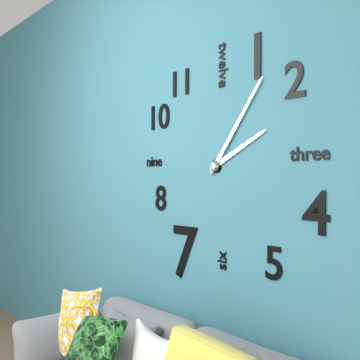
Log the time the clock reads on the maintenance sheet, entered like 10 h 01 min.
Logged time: 2 h 06 min
